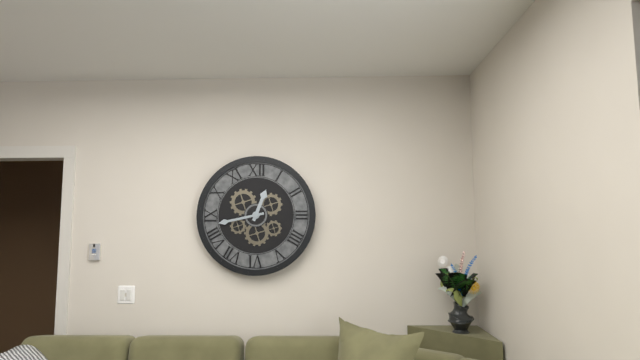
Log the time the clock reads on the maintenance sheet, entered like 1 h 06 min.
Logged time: 12 h 43 min
